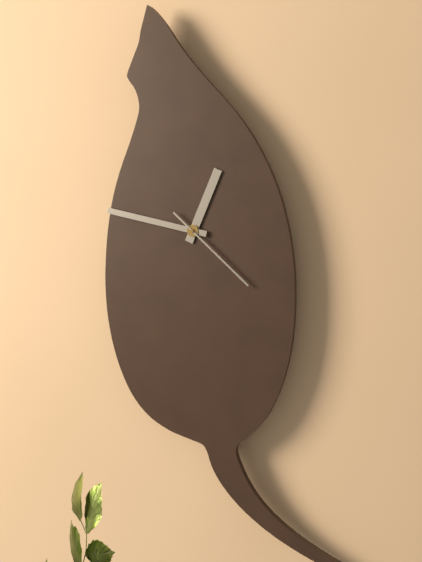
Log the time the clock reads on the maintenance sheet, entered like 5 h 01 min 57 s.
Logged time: 12 h 47 min 22 s
